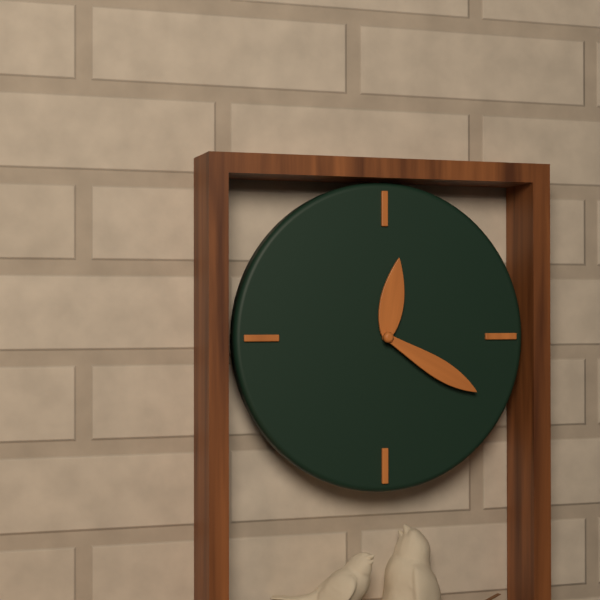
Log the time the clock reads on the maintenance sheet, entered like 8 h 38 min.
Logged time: 12 h 20 min
